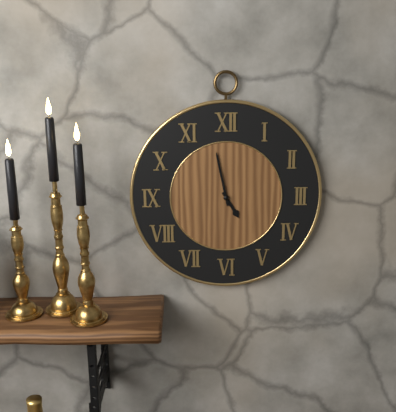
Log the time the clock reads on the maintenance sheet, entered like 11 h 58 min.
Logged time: 4 h 58 min
